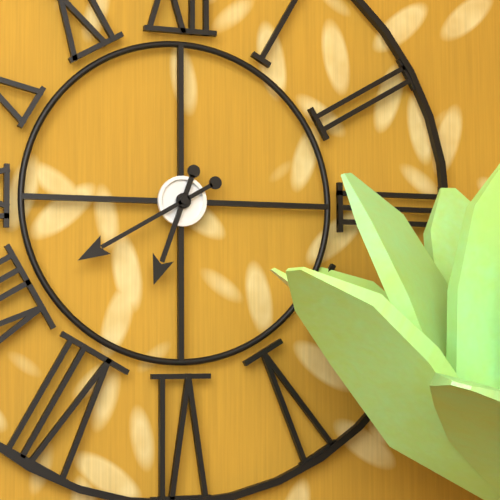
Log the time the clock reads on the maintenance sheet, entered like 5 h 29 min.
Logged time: 6 h 40 min
